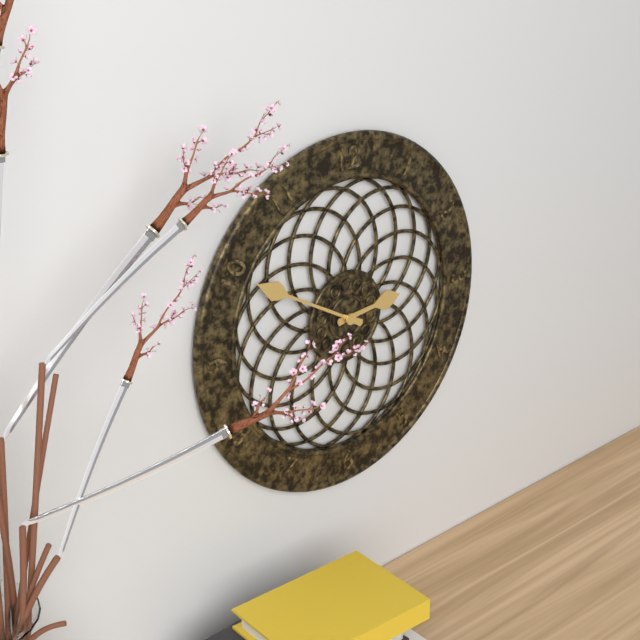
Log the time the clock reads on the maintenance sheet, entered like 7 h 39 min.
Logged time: 2 h 50 min
